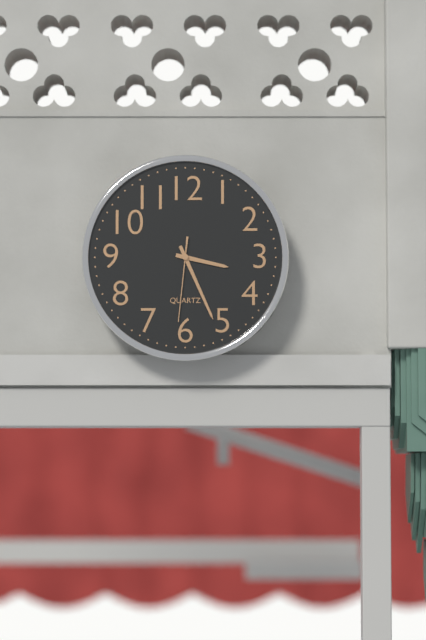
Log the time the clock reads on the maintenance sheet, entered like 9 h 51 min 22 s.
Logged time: 3 h 26 min 31 s
